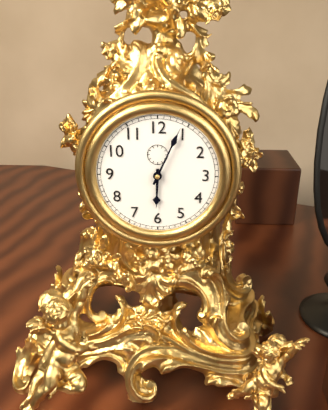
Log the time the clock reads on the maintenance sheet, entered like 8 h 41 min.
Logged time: 6 h 04 min
